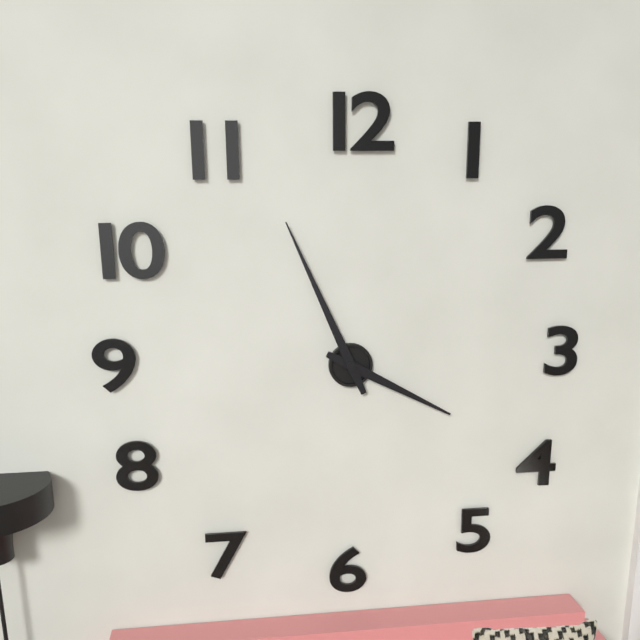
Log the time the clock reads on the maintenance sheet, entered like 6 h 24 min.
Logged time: 3 h 56 min
